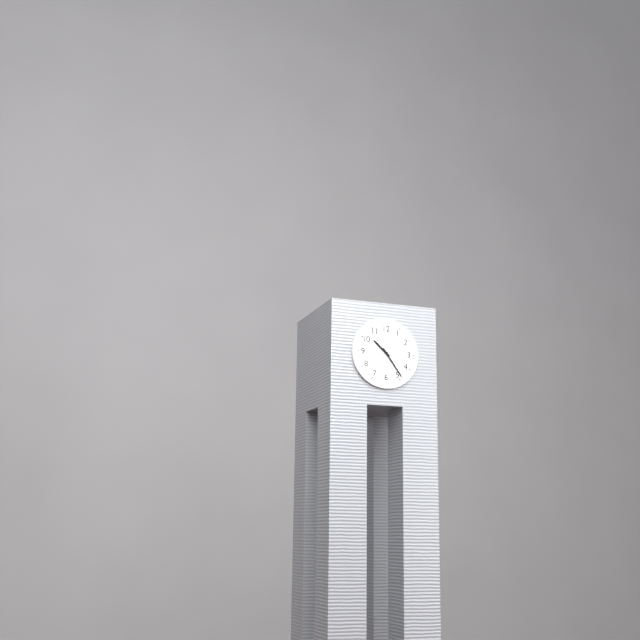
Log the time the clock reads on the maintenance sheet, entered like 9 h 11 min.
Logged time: 10 h 24 min
